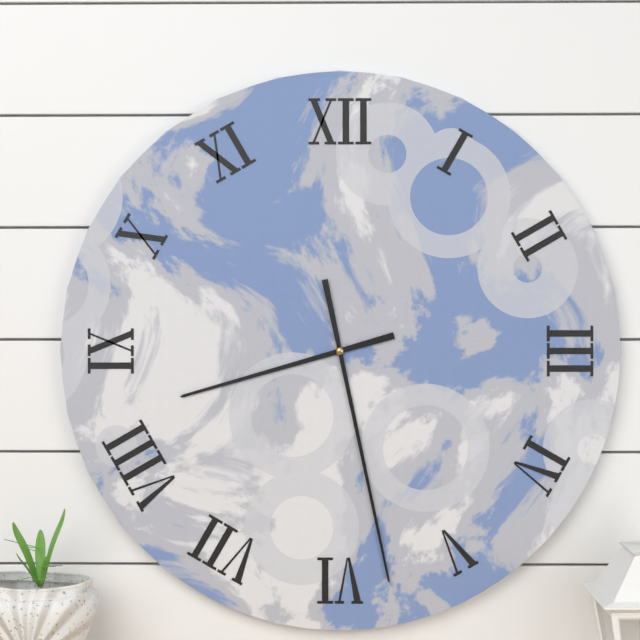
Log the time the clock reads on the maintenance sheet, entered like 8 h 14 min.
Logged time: 8 h 28 min
